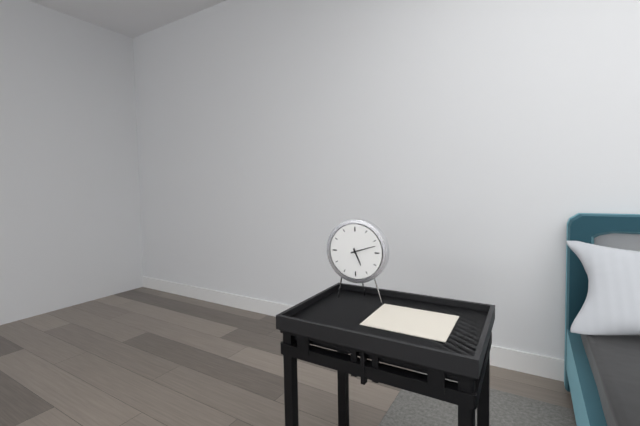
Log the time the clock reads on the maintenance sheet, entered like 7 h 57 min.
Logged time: 5 h 12 min
